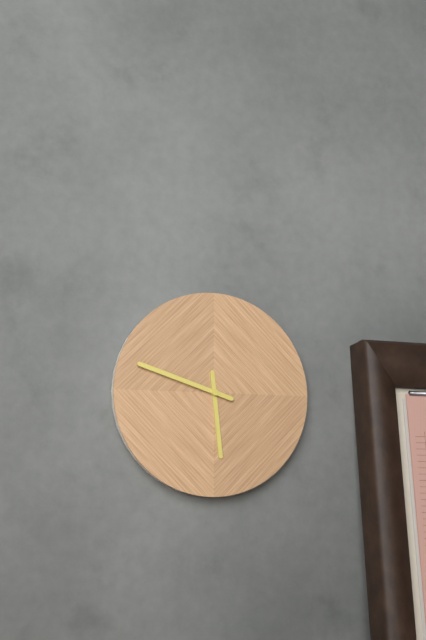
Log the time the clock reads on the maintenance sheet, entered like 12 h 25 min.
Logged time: 5 h 48 min
